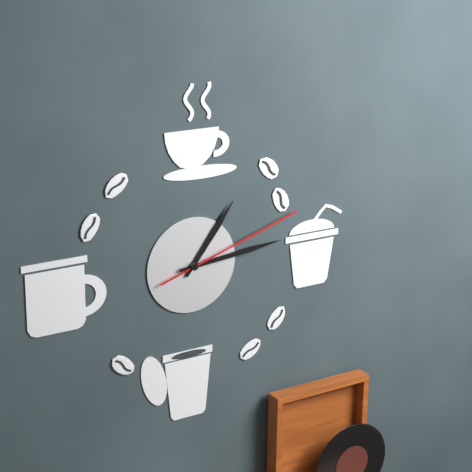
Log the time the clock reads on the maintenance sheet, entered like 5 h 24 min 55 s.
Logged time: 1 h 14 min 12 s
